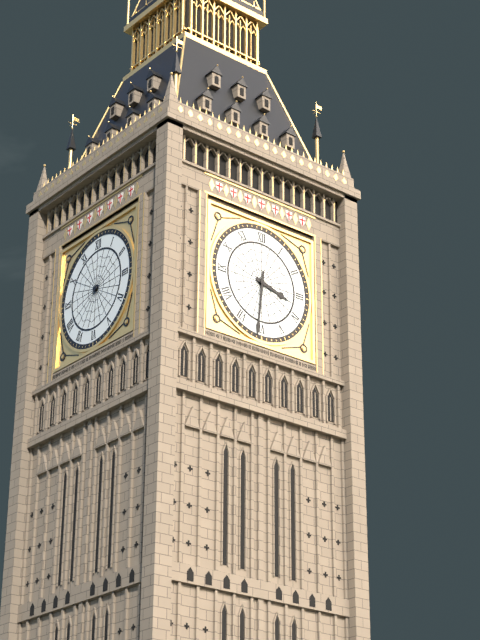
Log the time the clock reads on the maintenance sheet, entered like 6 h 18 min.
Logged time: 3 h 31 min
